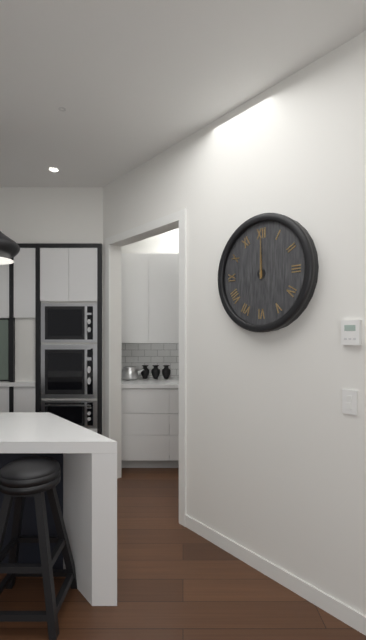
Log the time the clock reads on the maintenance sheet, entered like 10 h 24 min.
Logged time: 12 h 00 min
